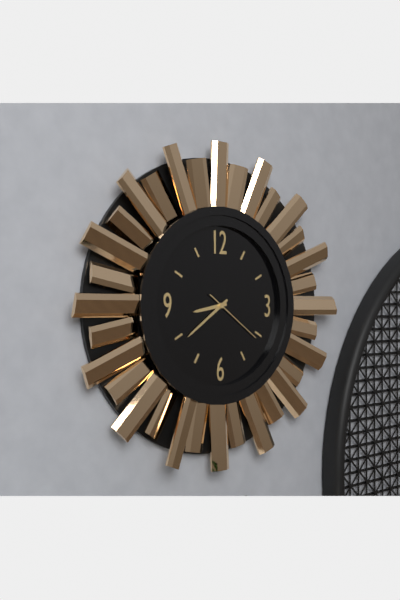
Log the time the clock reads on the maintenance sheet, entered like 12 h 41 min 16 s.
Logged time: 8 h 39 min 21 s
